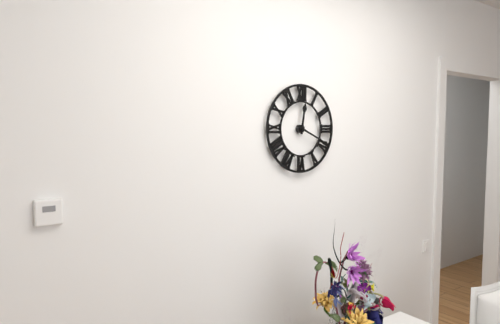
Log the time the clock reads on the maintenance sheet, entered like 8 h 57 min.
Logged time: 12 h 19 min
